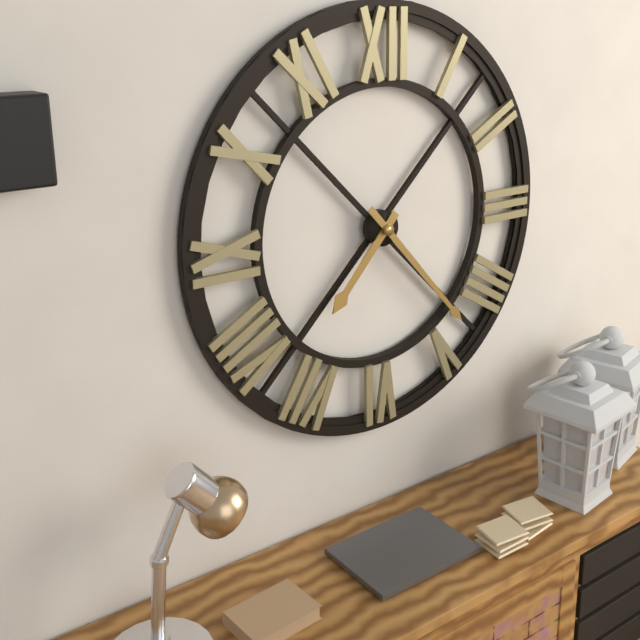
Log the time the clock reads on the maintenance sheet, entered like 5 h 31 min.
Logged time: 7 h 23 min
